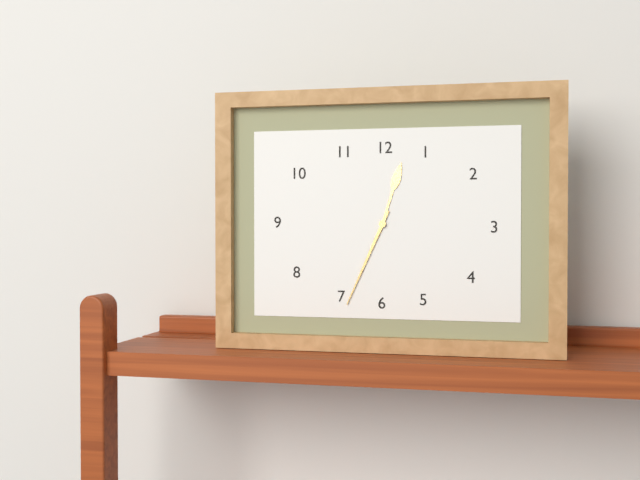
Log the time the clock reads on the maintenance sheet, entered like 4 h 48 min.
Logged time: 12 h 34 min
